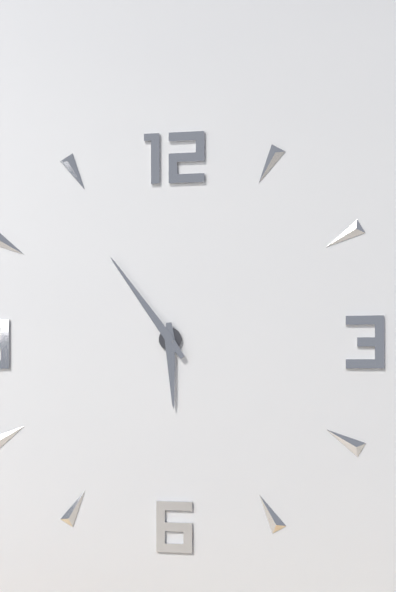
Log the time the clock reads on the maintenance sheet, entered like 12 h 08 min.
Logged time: 5 h 54 min
